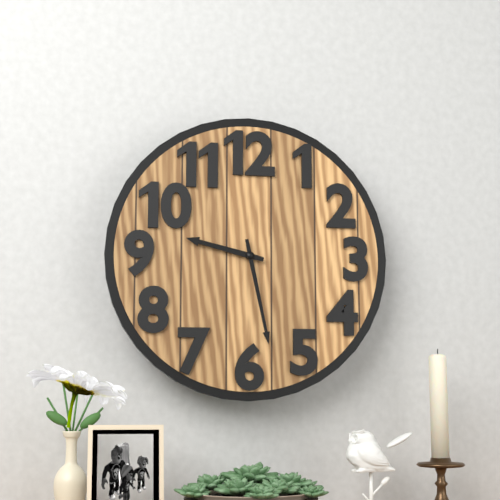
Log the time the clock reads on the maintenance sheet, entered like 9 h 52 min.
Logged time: 9 h 28 min
